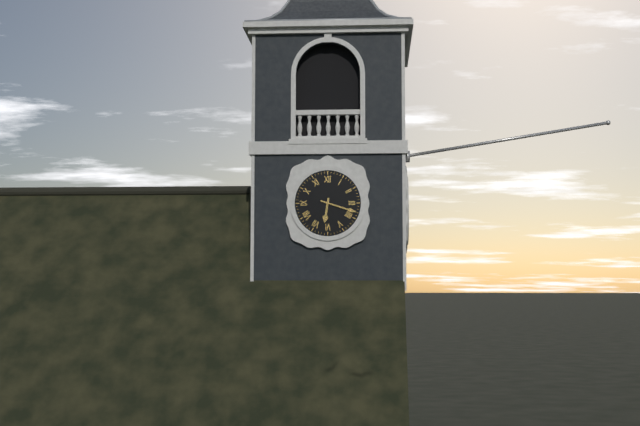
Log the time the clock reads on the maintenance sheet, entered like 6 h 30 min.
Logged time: 6 h 18 min
